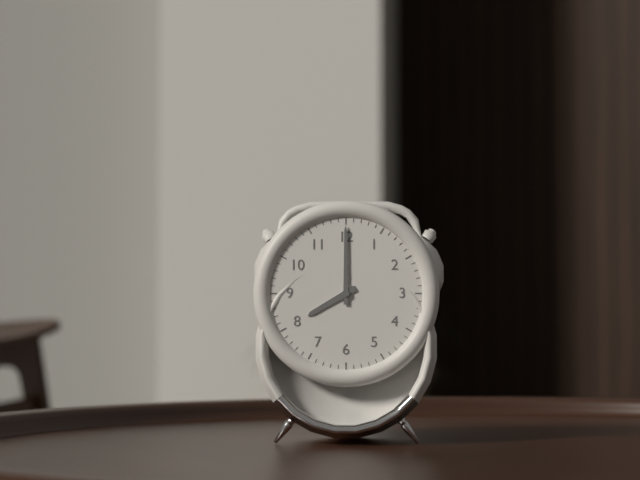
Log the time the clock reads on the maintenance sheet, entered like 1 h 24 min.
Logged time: 8 h 00 min
